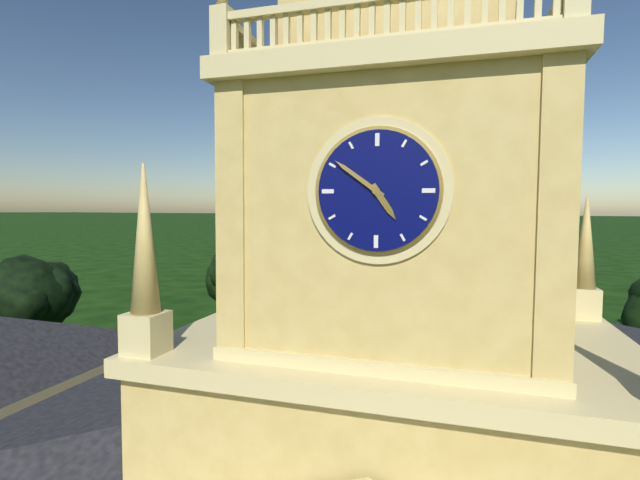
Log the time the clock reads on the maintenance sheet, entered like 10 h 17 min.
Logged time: 4 h 51 min
